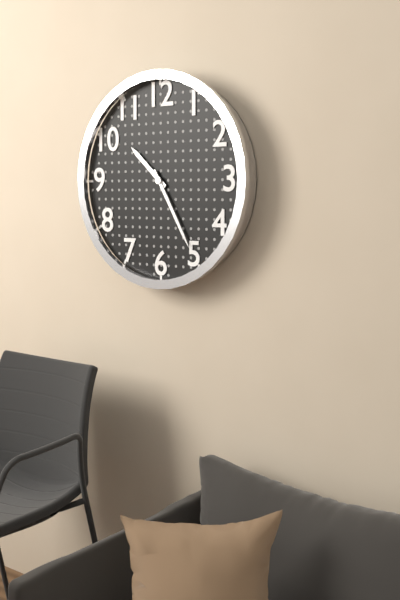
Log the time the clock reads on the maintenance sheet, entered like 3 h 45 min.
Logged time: 10 h 25 min
